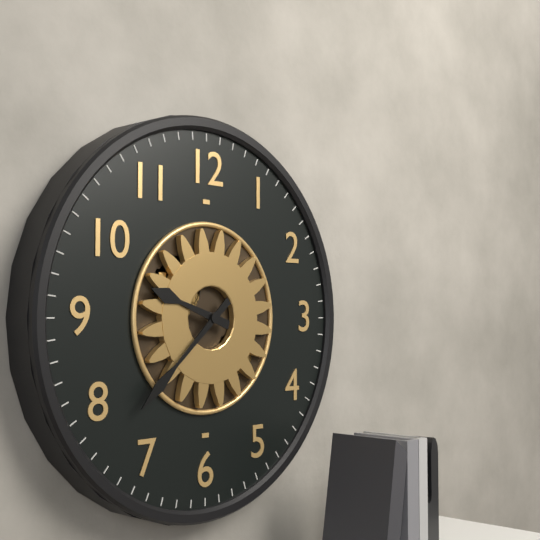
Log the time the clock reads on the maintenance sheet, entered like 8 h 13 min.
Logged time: 9 h 38 min
